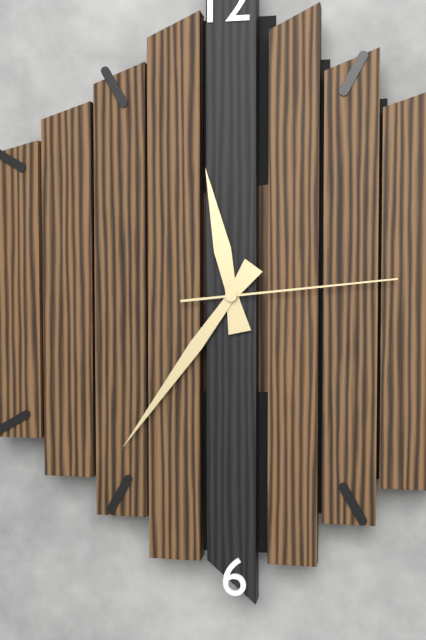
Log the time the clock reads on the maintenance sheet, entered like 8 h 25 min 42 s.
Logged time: 11 h 36 min 14 s
